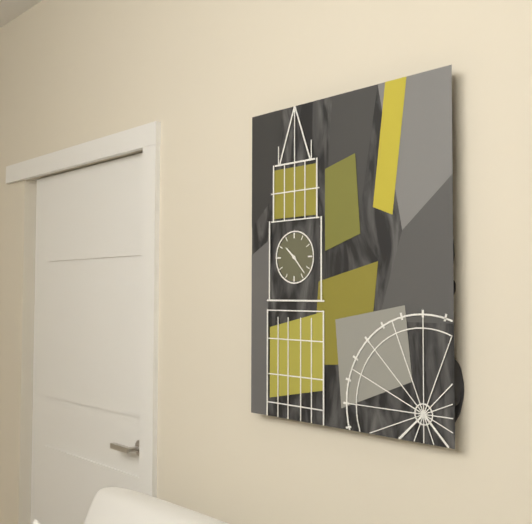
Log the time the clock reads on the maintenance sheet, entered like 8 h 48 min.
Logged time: 10 h 23 min
